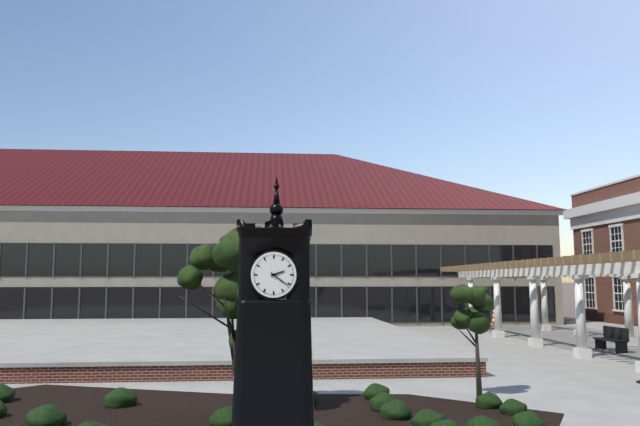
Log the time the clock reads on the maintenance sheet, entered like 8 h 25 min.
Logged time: 2 h 21 min
